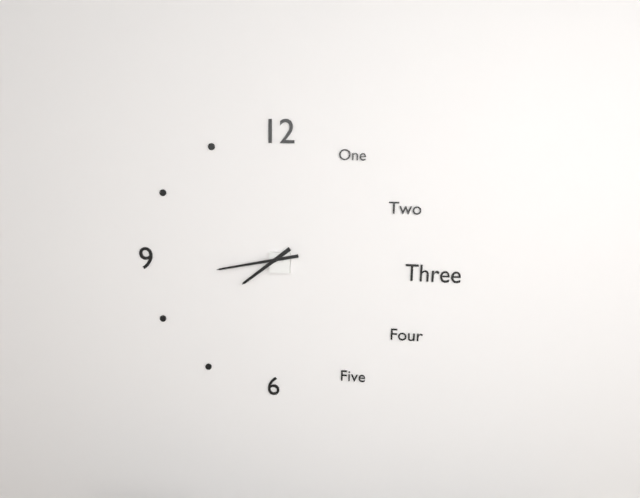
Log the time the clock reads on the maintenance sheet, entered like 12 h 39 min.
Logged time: 7 h 43 min
